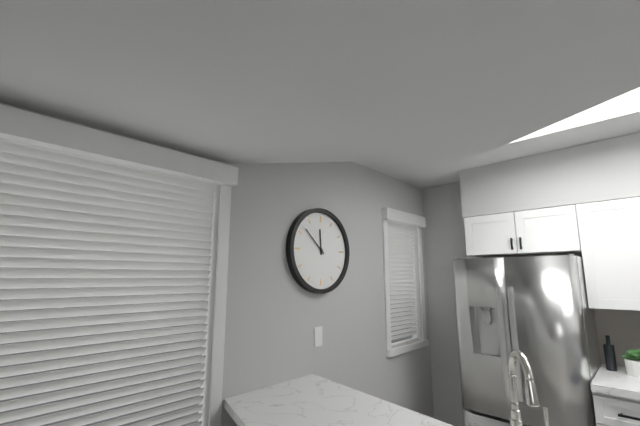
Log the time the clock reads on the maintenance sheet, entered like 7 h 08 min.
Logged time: 11 h 52 min
